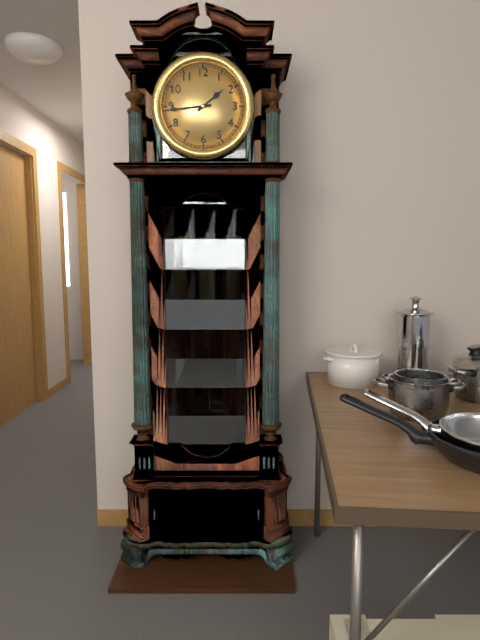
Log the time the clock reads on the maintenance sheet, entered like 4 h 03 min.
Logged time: 1 h 44 min
